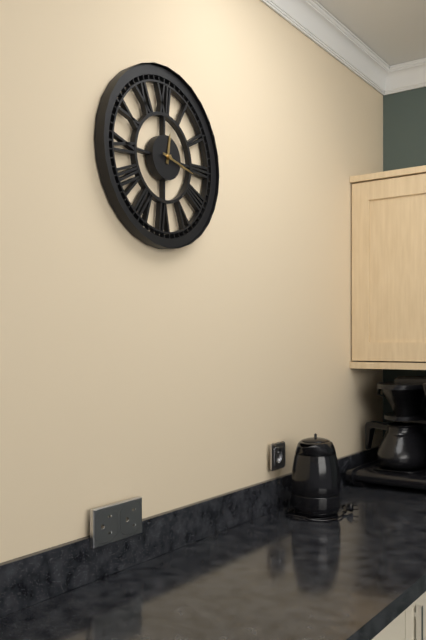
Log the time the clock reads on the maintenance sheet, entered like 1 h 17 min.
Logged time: 12 h 17 min
